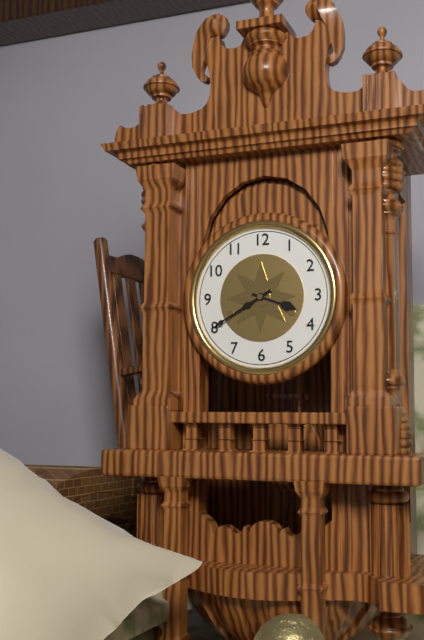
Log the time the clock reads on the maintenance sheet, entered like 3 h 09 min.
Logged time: 3 h 40 min
